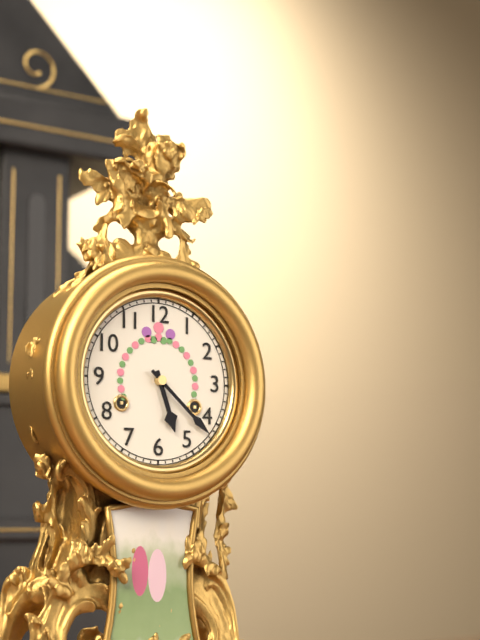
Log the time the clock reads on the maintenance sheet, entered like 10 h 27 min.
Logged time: 5 h 22 min
